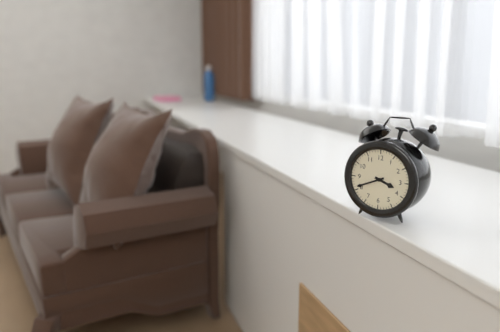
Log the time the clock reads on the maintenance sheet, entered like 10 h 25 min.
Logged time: 3 h 41 min
